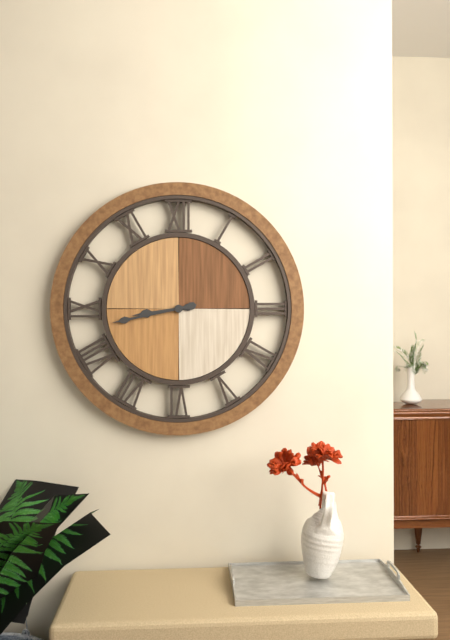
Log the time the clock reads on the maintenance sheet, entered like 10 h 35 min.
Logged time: 8 h 43 min
